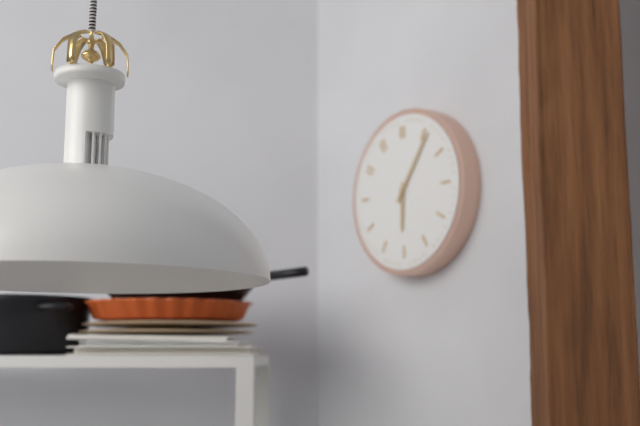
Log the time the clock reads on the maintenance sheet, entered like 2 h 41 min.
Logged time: 6 h 06 min
